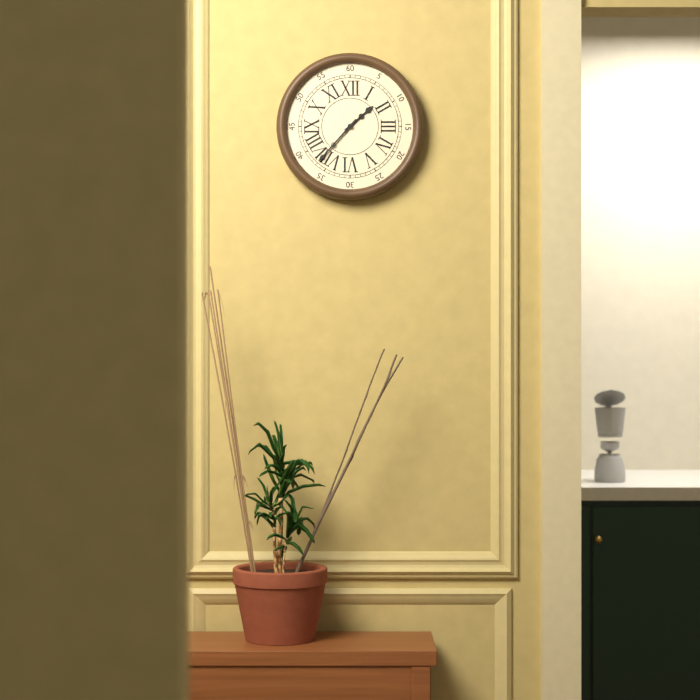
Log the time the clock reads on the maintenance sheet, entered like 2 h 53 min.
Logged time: 1 h 37 min
